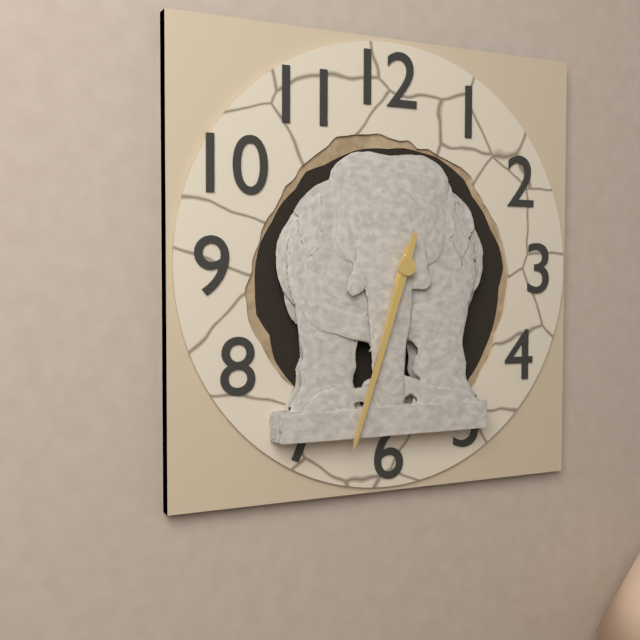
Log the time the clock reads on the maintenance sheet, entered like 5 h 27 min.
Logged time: 6 h 33 min
